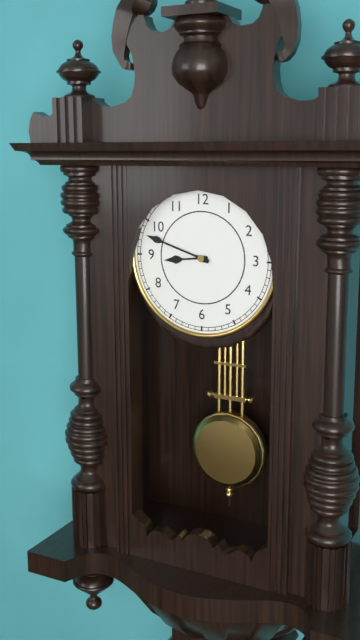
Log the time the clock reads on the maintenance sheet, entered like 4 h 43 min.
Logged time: 8 h 48 min
